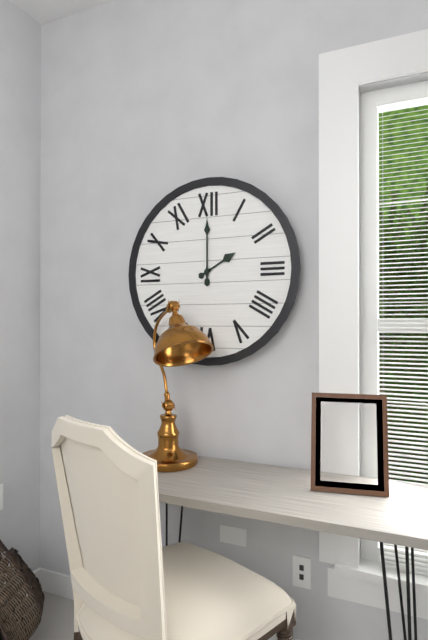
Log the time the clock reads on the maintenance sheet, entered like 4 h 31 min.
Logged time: 2 h 00 min
